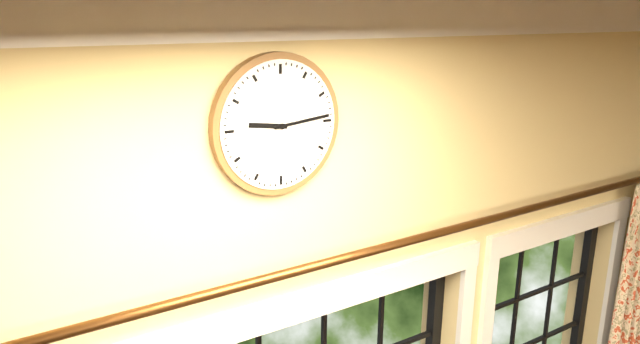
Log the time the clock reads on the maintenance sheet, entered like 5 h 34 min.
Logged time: 9 h 14 min
